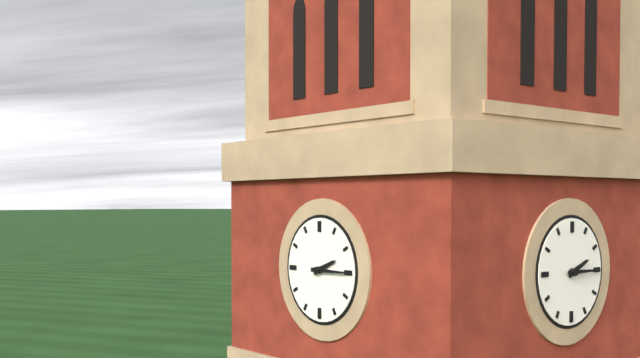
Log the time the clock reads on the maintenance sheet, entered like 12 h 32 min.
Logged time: 2 h 15 min
